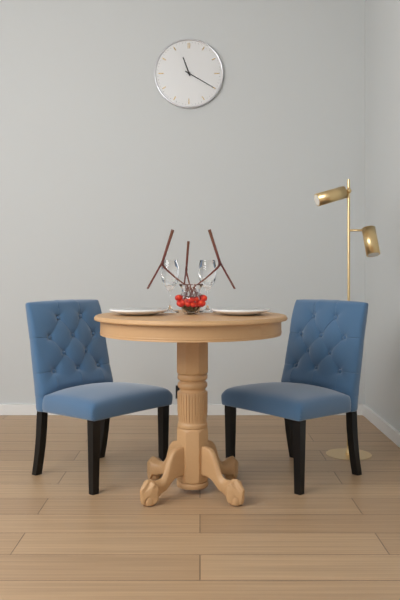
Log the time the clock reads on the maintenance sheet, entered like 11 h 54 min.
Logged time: 11 h 20 min
